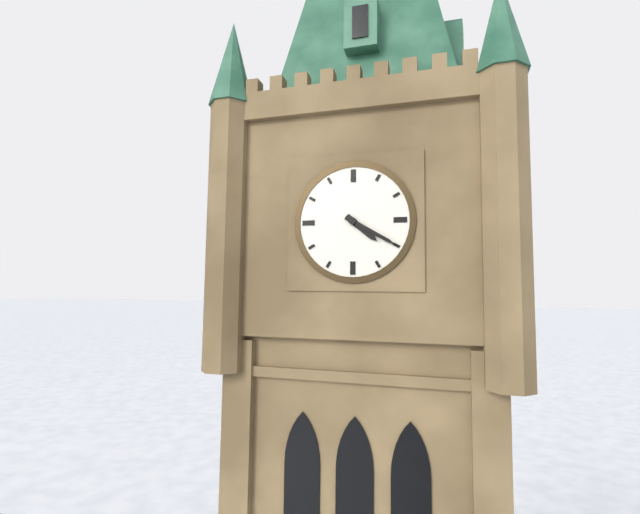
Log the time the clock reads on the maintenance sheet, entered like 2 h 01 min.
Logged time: 4 h 20 min
